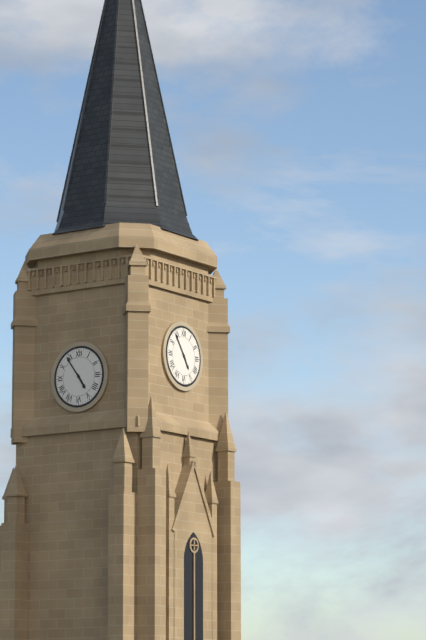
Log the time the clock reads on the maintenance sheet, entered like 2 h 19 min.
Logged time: 4 h 54 min
